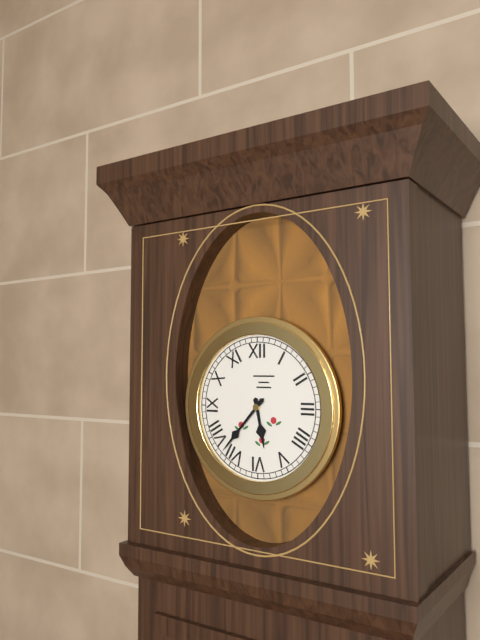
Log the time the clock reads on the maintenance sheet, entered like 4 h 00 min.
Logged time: 5 h 37 min
